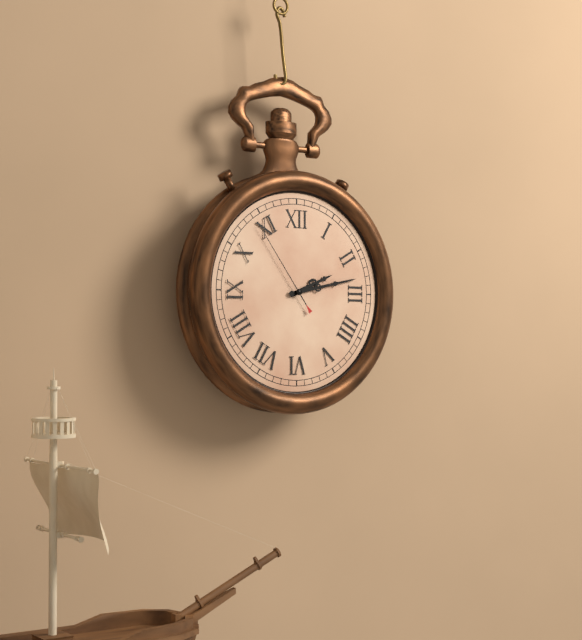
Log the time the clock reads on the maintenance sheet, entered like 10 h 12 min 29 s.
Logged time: 2 h 13 min 54 s
